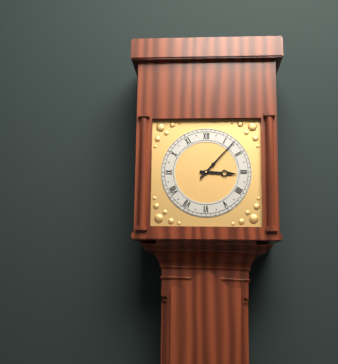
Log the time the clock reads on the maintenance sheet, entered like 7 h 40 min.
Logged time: 3 h 07 min
